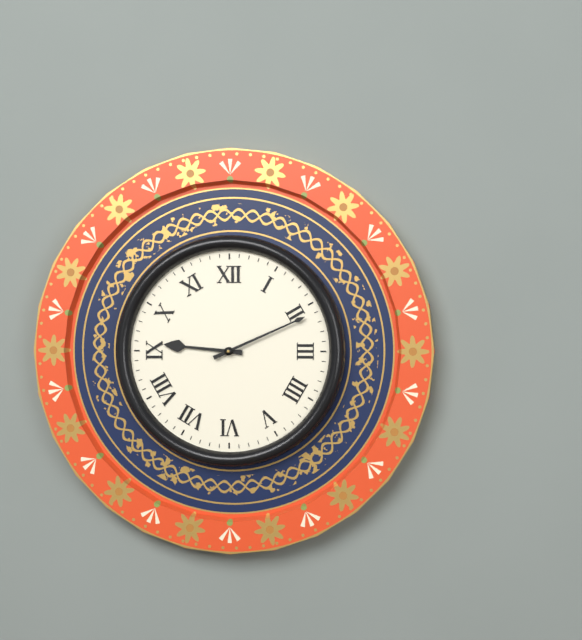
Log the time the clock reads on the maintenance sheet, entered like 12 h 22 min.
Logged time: 9 h 11 min
